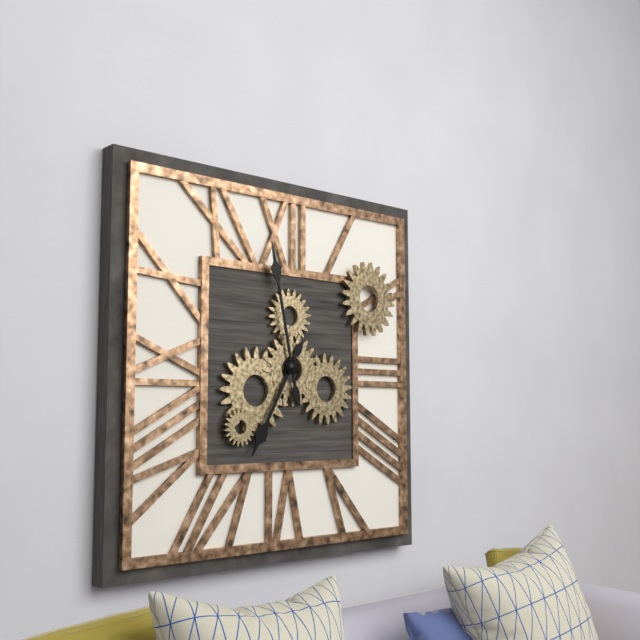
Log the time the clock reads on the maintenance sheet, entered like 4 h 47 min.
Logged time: 6 h 58 min
